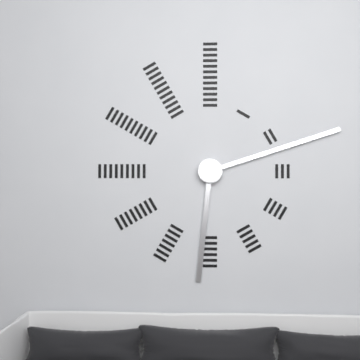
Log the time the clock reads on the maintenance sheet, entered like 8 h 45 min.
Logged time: 6 h 12 min
